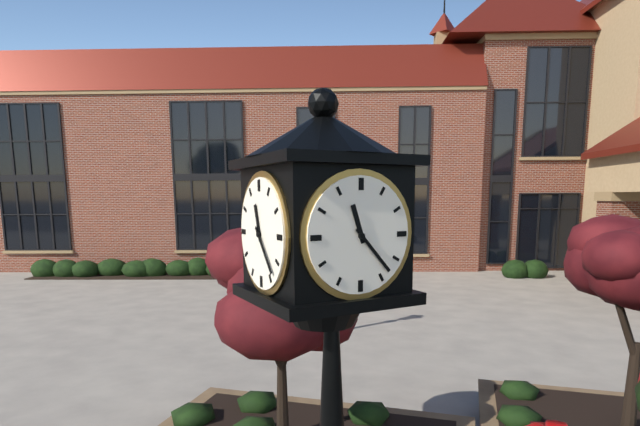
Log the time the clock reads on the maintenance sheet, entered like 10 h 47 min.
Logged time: 11 h 23 min
